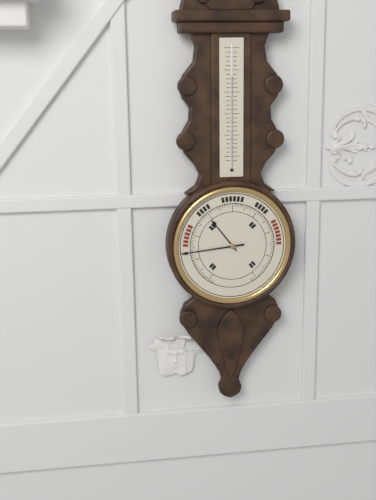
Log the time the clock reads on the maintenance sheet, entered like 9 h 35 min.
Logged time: 10 h 44 min
